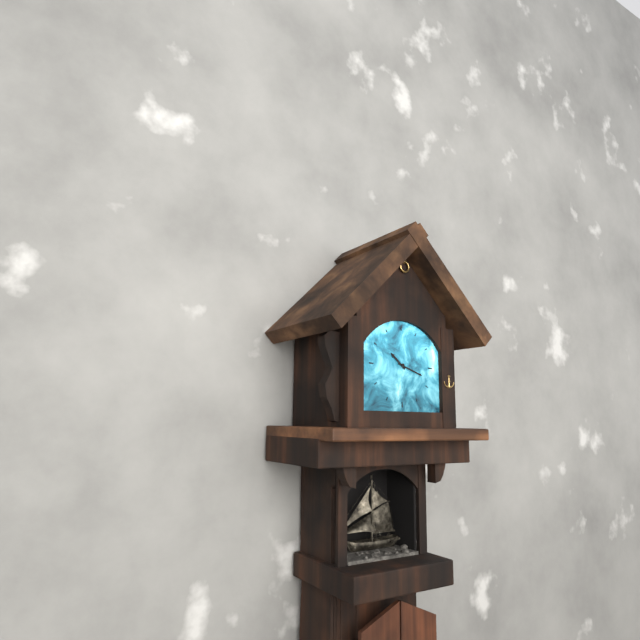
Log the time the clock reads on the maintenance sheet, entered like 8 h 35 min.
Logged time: 10 h 18 min
